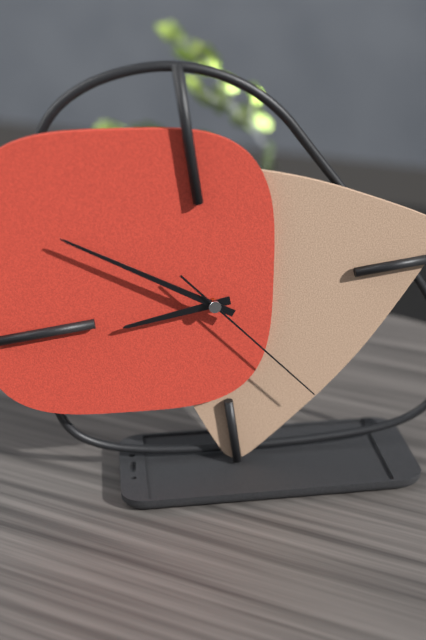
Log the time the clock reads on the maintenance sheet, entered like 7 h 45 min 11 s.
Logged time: 8 h 51 min 24 s
